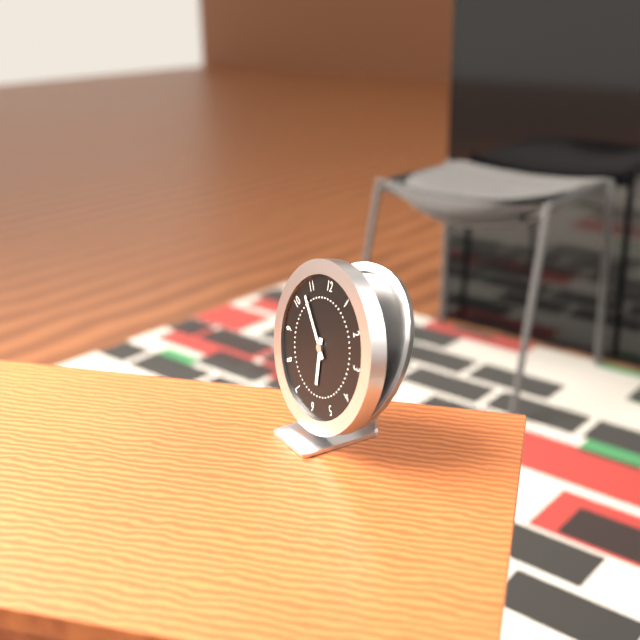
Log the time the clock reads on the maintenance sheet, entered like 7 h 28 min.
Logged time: 5 h 53 min
